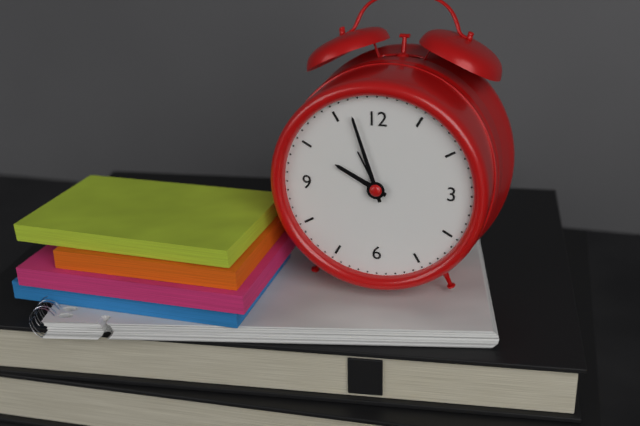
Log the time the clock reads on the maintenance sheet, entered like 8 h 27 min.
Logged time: 9 h 57 min
